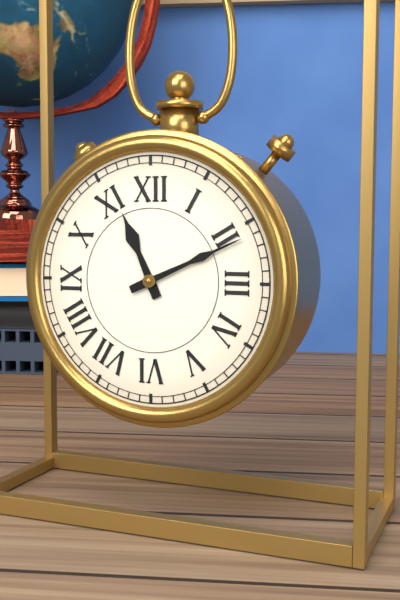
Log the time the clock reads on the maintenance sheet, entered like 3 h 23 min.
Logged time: 11 h 11 min
